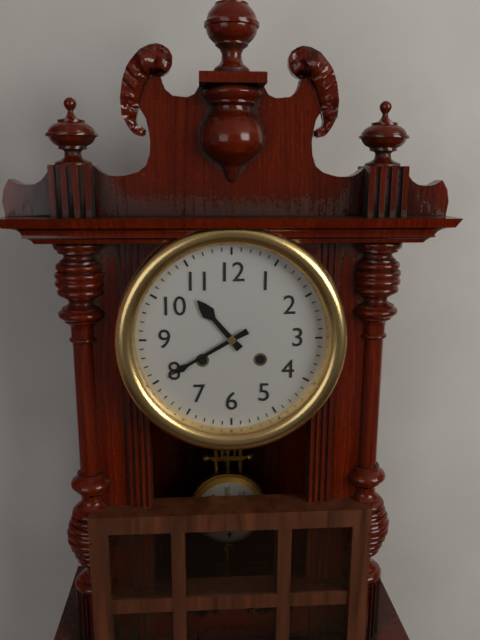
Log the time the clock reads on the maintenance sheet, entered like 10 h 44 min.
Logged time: 10 h 40 min
